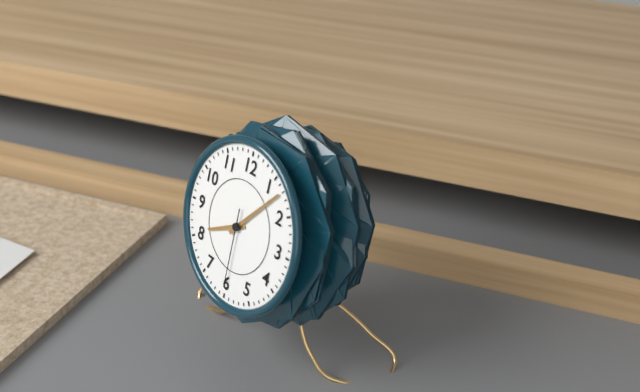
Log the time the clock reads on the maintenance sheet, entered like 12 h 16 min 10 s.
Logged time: 8 h 07 min 30 s
